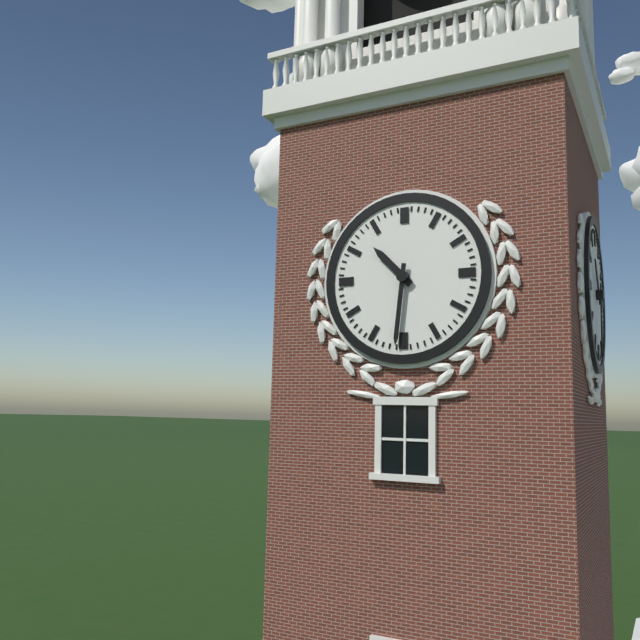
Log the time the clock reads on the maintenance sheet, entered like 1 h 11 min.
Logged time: 10 h 31 min
